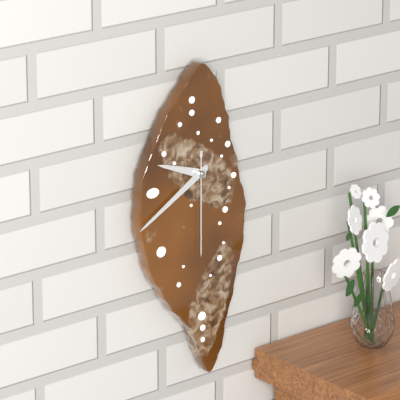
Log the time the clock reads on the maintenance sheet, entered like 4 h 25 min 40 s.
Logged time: 9 h 40 min 30 s
